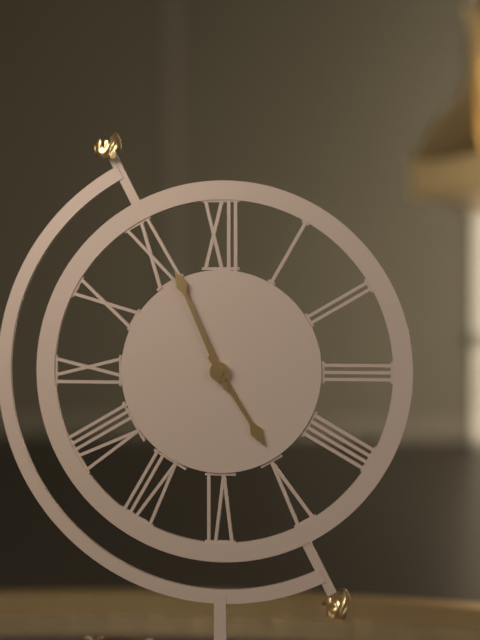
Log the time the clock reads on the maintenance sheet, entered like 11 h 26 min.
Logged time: 4 h 56 min
